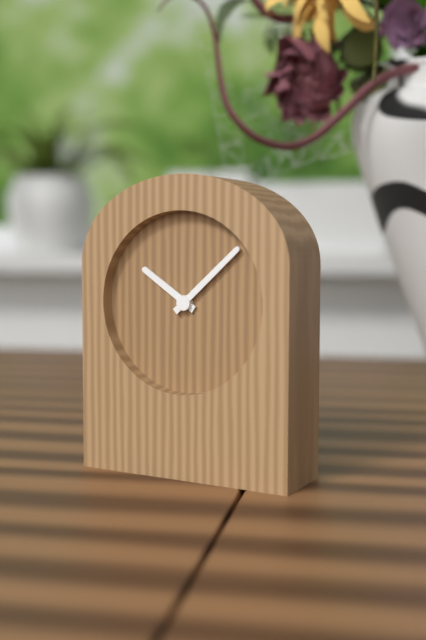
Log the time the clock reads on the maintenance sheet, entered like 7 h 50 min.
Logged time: 10 h 08 min
